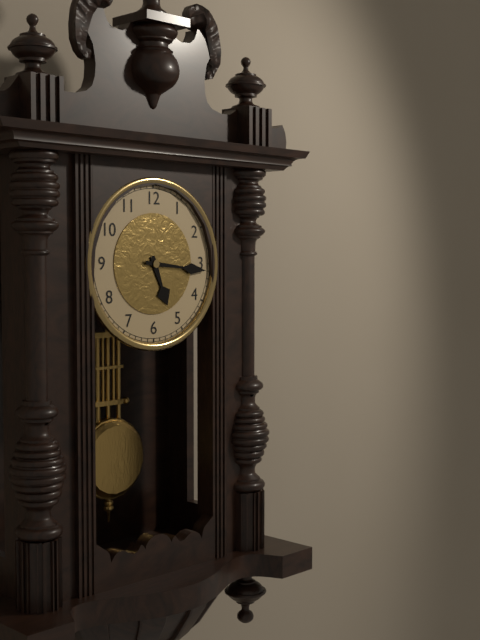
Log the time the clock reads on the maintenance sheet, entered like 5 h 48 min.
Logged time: 5 h 16 min
